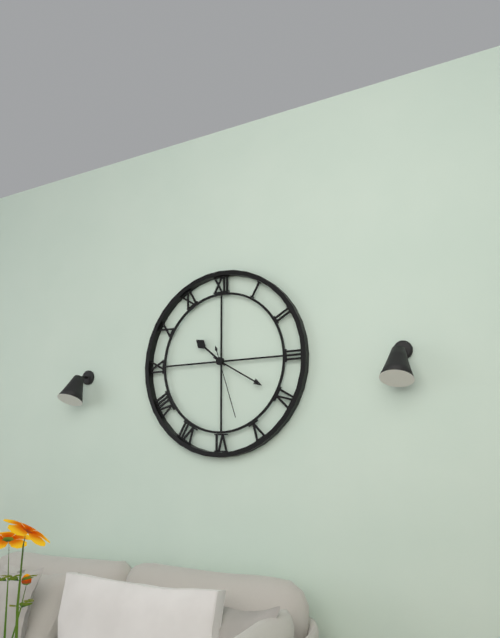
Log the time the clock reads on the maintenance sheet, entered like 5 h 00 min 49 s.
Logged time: 10 h 20 min 27 s
